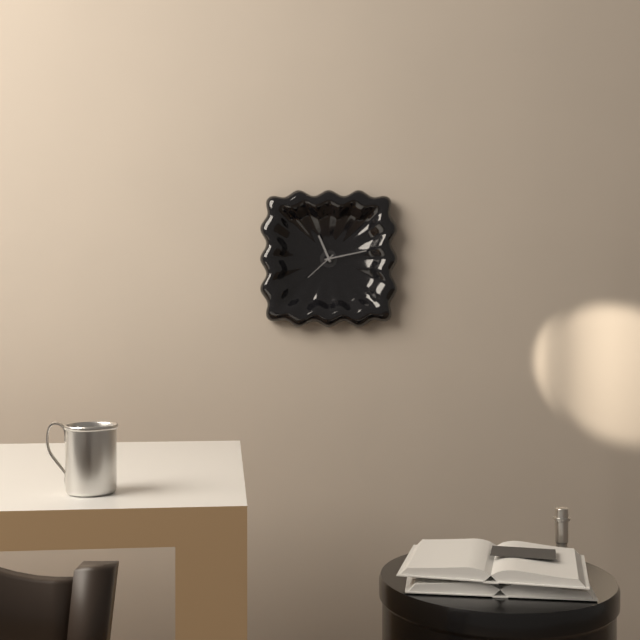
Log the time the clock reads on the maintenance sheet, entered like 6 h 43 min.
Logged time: 11 h 13 min
